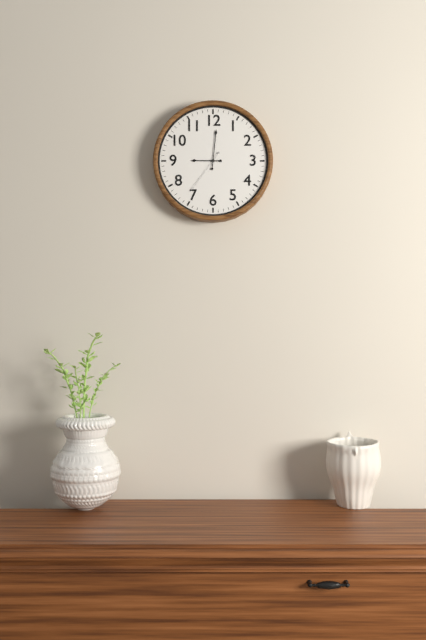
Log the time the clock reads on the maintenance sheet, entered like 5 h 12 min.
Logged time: 9 h 01 min
